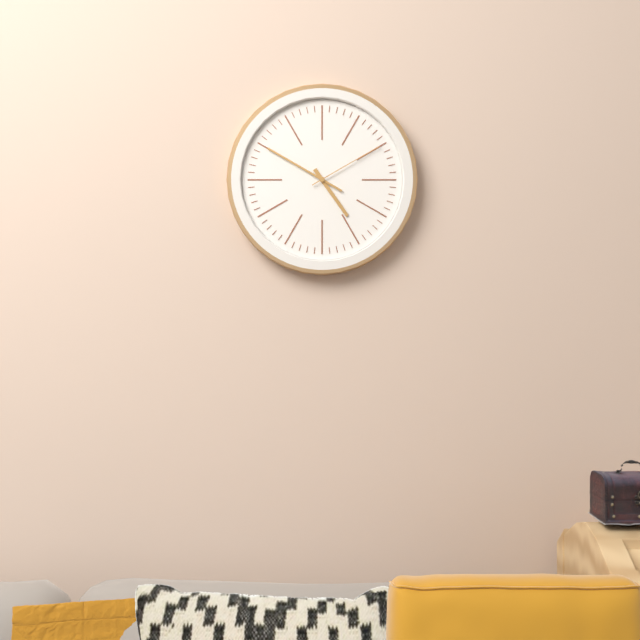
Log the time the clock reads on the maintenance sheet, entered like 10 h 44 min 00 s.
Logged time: 4 h 50 min 10 s
